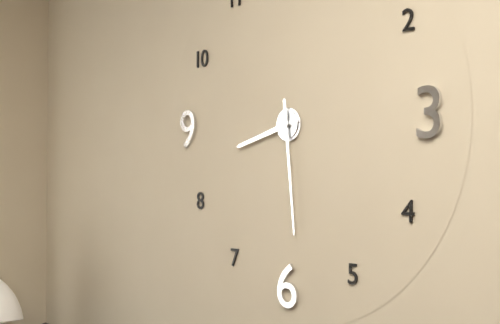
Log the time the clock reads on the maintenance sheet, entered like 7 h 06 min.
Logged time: 8 h 29 min
